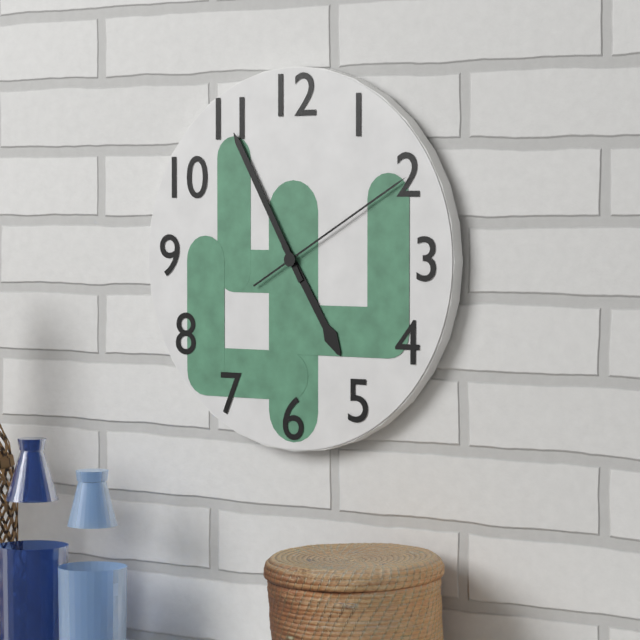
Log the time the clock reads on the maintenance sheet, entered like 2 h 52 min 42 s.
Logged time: 4 h 55 min 10 s
